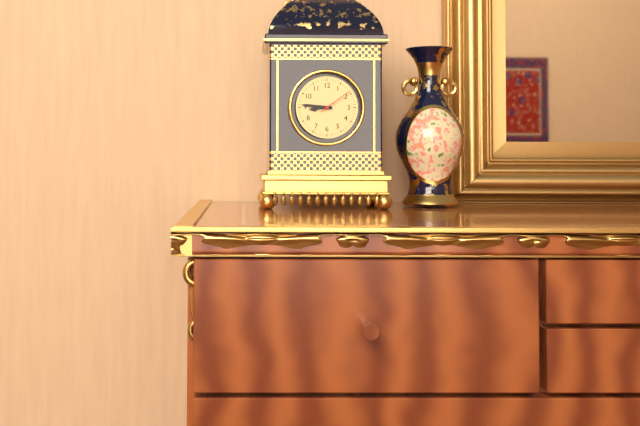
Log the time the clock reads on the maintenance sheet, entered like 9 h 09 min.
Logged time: 8 h 46 min
